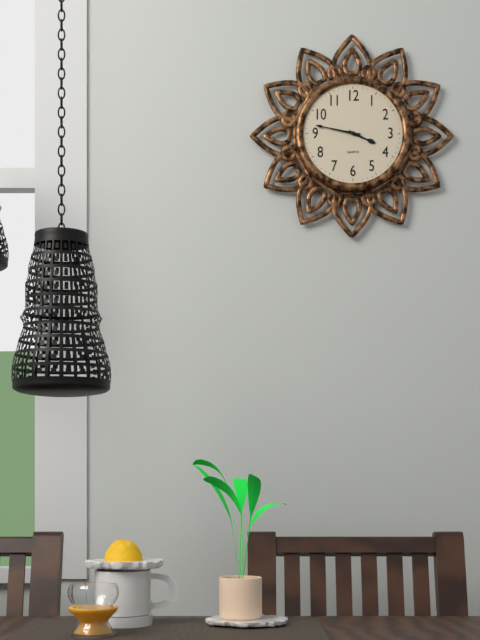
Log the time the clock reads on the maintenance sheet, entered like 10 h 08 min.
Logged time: 3 h 47 min
